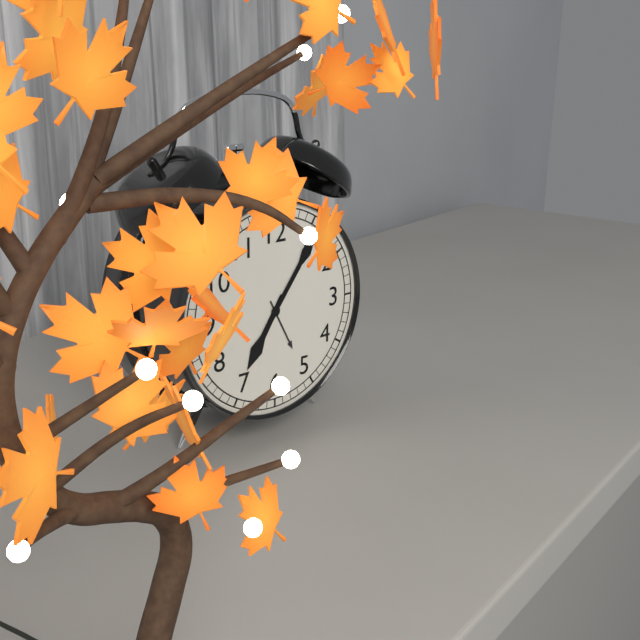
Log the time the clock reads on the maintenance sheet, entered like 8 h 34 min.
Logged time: 7 h 06 min
